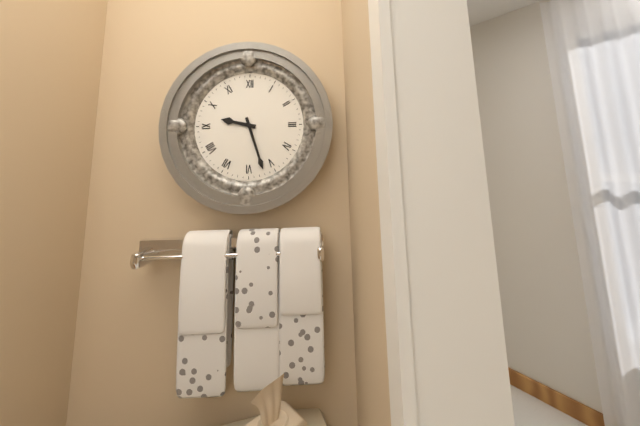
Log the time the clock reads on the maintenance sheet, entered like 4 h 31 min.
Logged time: 9 h 27 min
